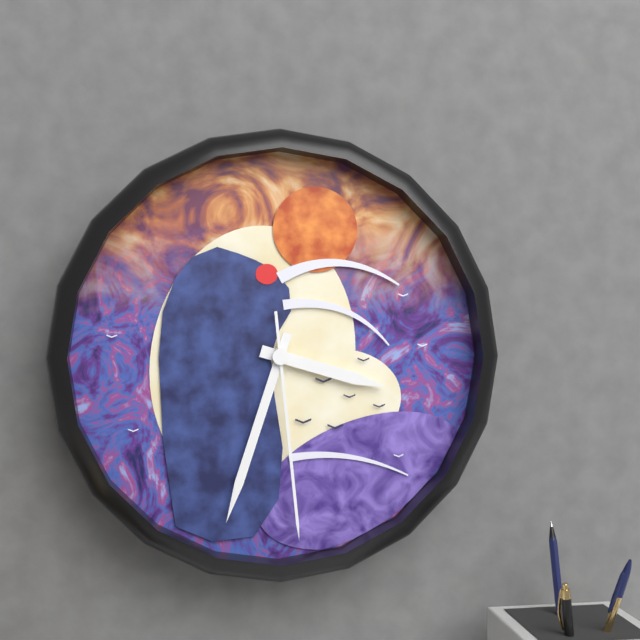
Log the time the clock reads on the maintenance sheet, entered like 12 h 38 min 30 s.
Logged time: 3 h 33 min 29 s
